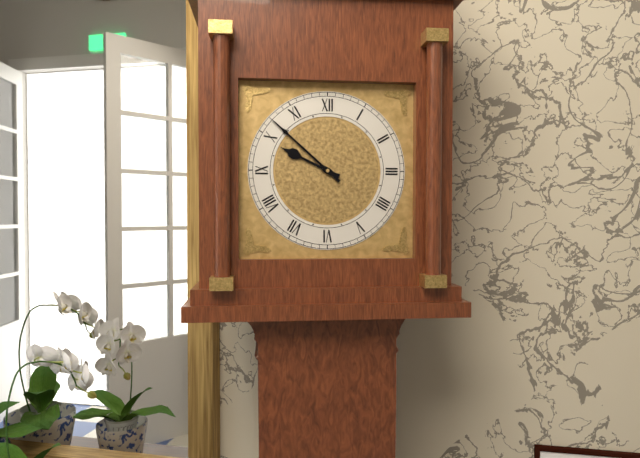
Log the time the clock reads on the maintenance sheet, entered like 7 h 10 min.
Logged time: 9 h 52 min
